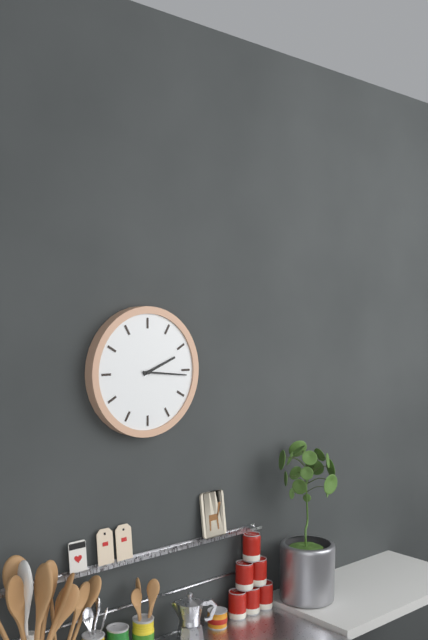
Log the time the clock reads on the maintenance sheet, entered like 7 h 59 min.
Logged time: 2 h 16 min
